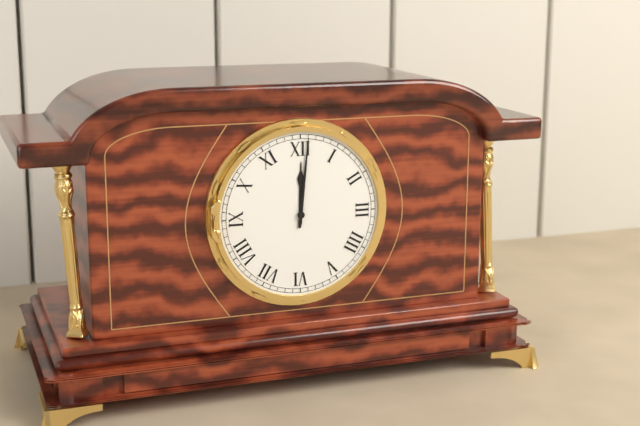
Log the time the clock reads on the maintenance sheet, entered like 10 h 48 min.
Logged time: 12 h 01 min
